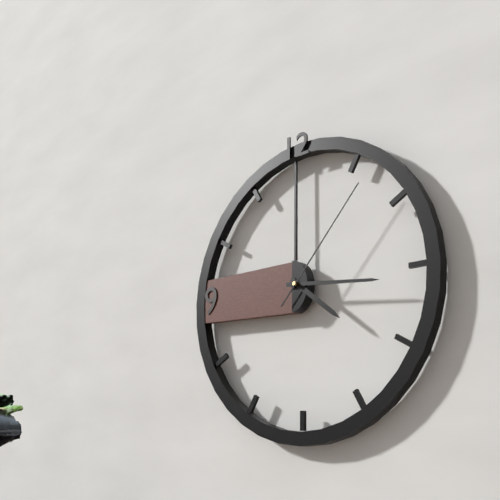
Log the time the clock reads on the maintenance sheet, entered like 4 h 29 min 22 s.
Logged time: 4 h 16 min 07 s
